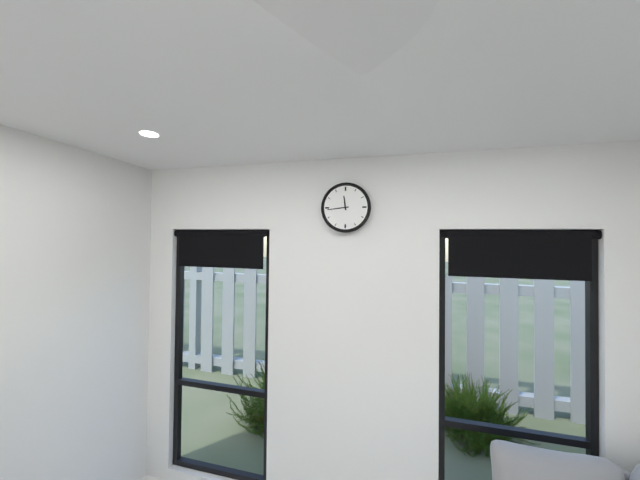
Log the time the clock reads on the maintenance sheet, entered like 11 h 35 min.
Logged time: 11 h 44 min
